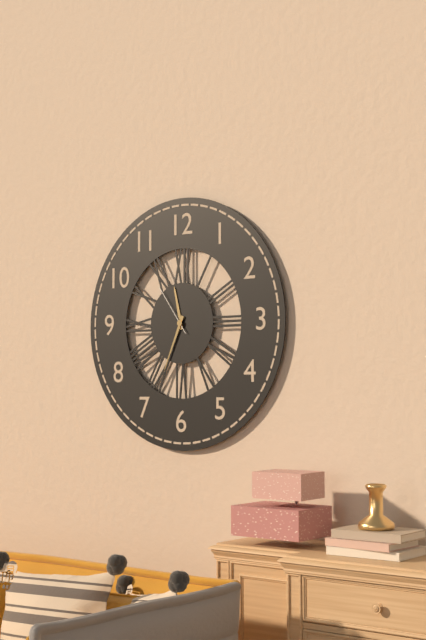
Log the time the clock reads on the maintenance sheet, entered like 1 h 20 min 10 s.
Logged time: 11 h 34 min 54 s
